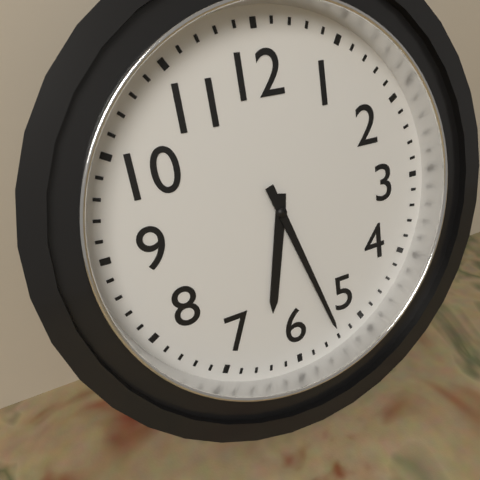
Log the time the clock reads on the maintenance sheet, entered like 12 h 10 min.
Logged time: 6 h 27 min
